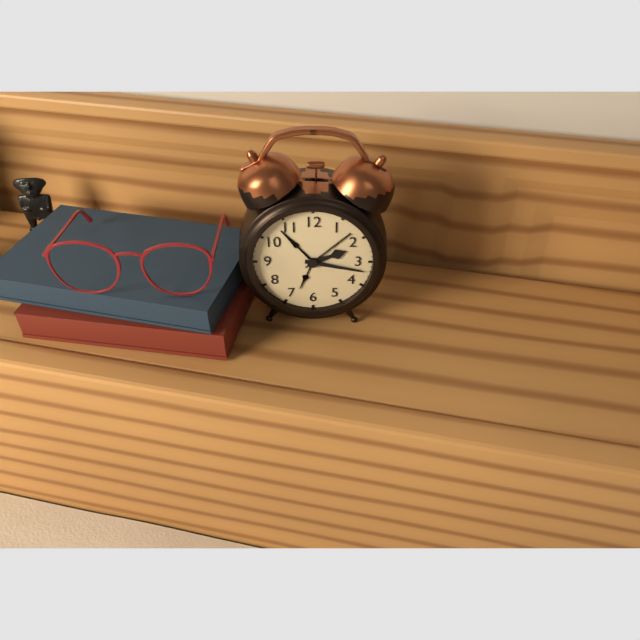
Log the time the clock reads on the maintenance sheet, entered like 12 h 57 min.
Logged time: 2 h 17 min
